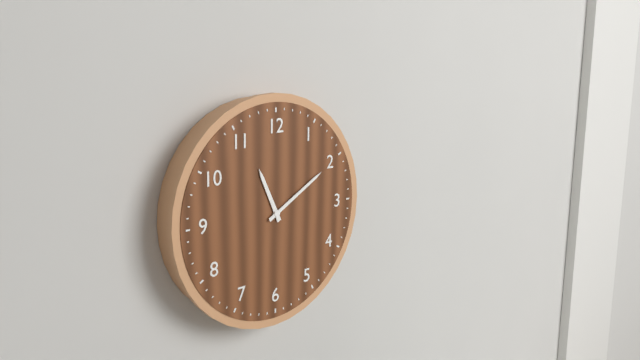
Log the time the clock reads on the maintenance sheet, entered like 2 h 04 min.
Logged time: 11 h 10 min
